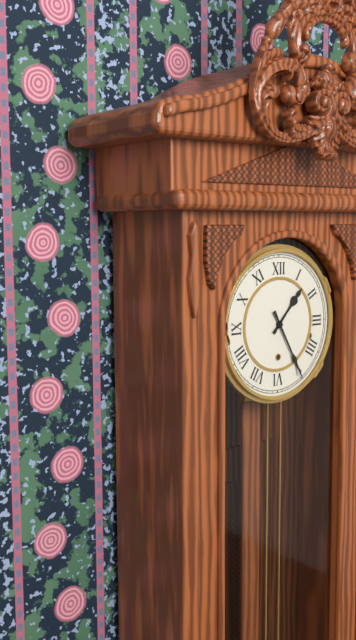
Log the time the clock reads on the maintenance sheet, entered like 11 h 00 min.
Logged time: 1 h 25 min
